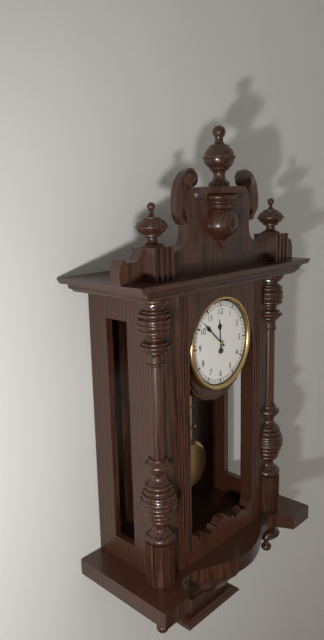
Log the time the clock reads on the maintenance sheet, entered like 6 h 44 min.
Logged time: 11 h 52 min
